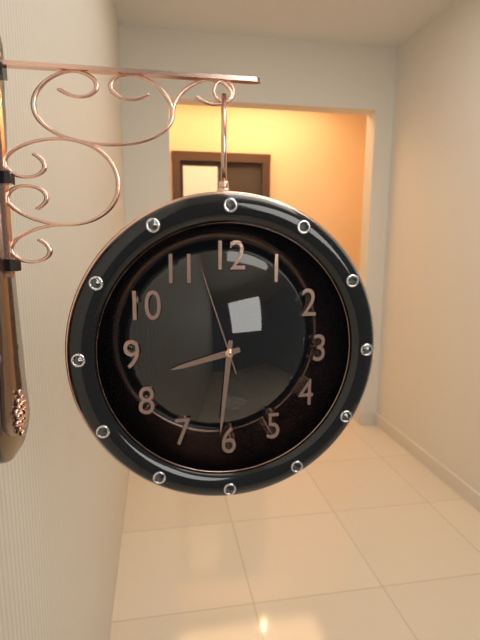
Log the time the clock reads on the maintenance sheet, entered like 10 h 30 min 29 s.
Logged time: 8 h 31 min 57 s
